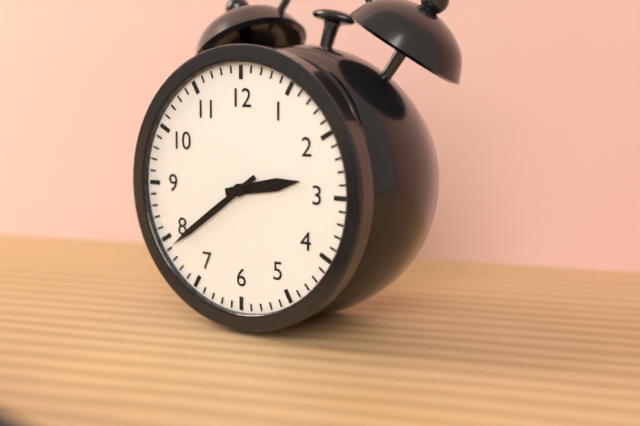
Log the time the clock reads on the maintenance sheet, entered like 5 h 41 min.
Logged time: 2 h 39 min
